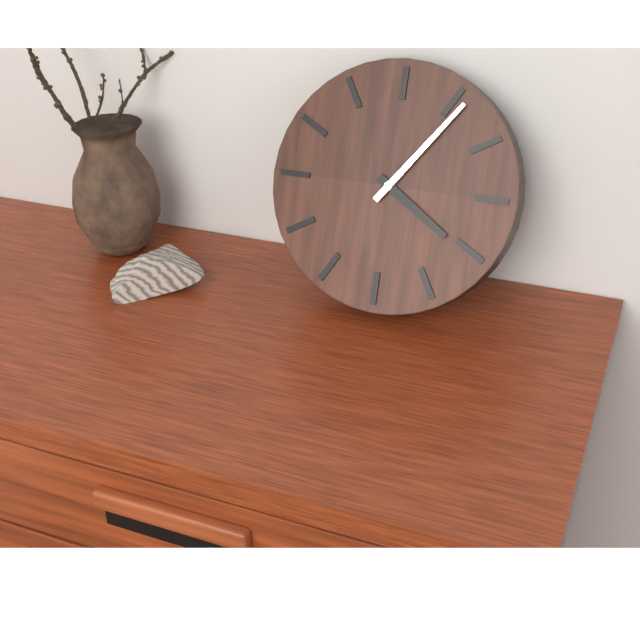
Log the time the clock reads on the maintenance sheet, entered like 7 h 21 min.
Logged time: 4 h 06 min
